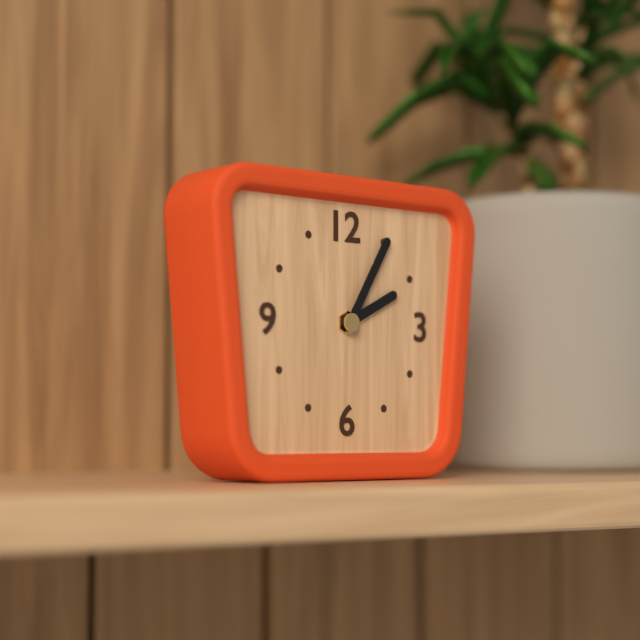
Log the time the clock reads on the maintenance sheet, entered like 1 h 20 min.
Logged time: 2 h 05 min
